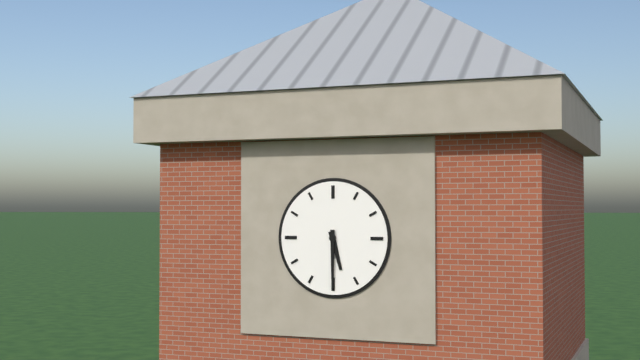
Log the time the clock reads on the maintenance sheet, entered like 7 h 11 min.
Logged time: 5 h 30 min
